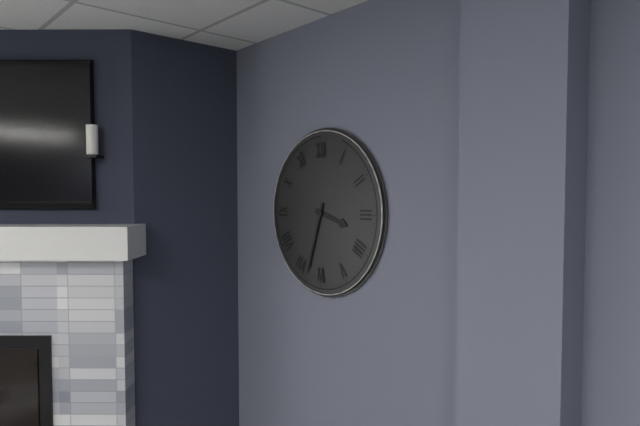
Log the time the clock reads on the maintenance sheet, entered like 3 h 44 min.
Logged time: 3 h 33 min
